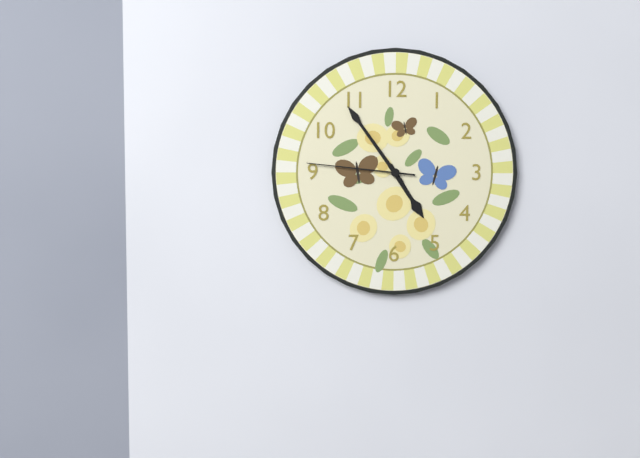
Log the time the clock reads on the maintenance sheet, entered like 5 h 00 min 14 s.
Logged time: 4 h 54 min 46 s
